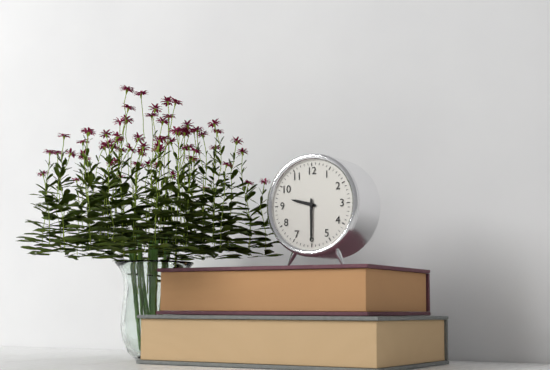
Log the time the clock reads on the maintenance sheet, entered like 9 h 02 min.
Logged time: 9 h 30 min
